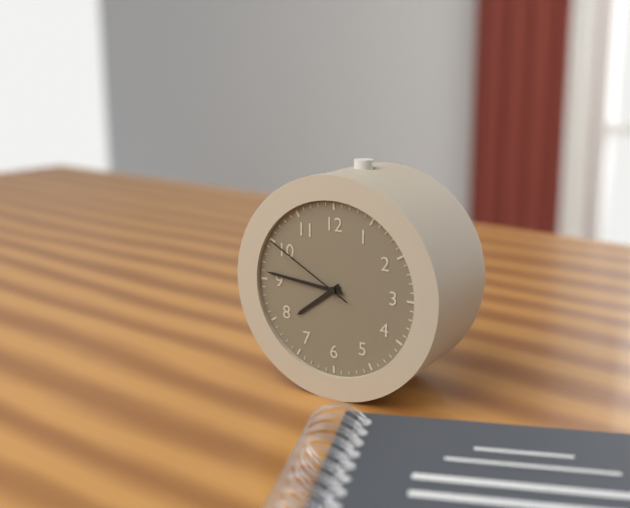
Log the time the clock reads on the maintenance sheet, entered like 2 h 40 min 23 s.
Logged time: 7 h 46 min 50 s
